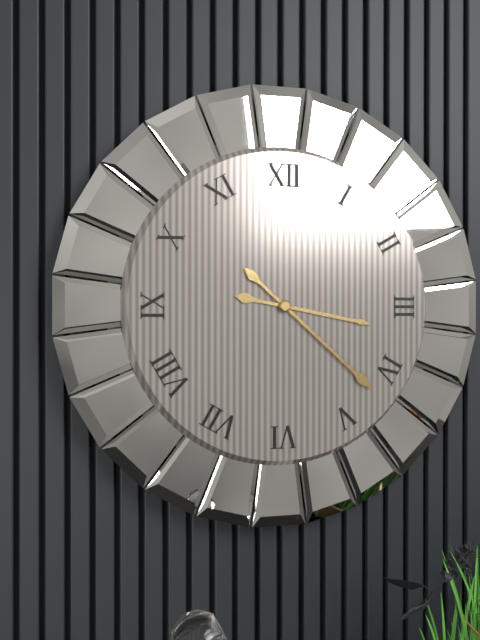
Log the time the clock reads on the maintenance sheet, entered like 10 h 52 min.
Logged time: 3 h 22 min
